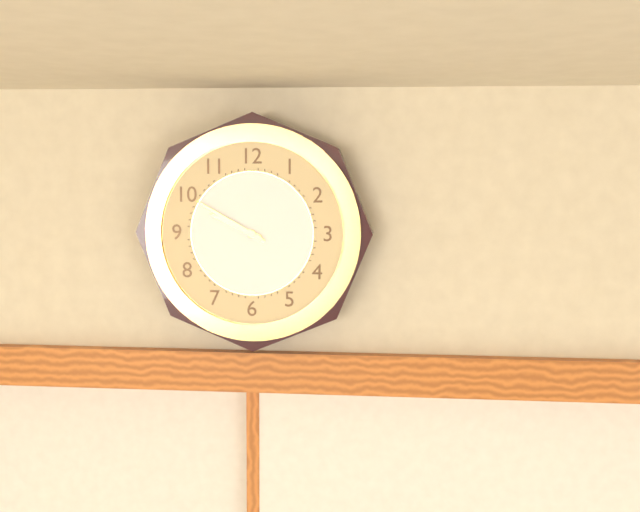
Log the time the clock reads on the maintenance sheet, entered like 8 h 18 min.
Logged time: 9 h 50 min
